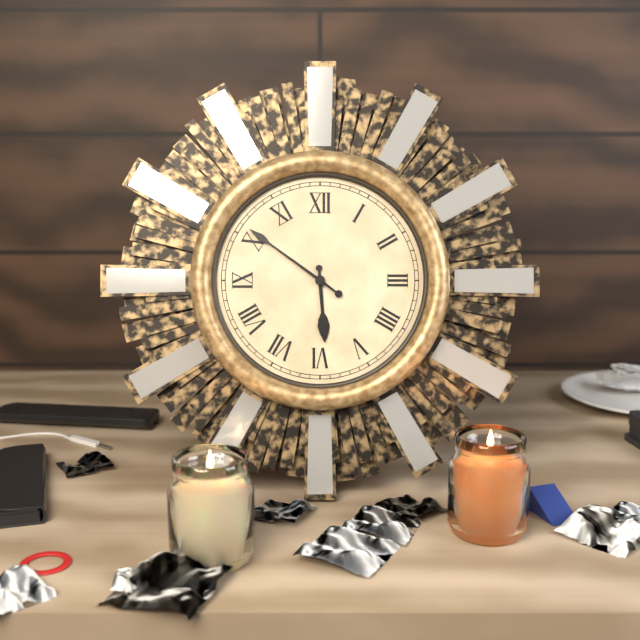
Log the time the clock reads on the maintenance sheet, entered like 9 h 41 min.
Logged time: 5 h 51 min
